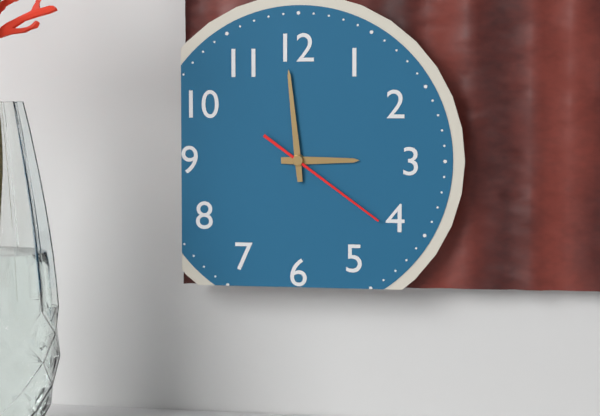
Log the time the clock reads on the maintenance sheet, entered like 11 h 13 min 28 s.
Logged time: 2 h 59 min 21 s
